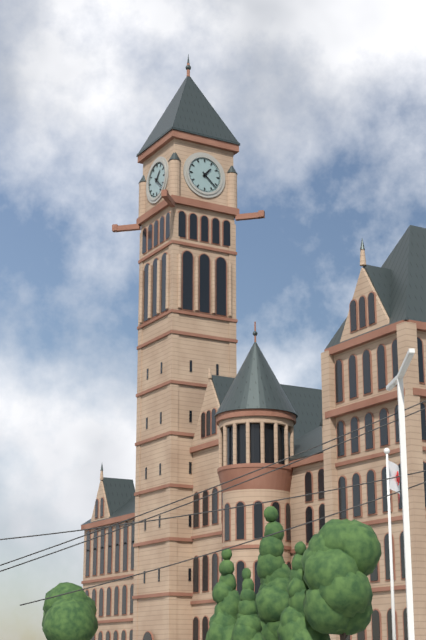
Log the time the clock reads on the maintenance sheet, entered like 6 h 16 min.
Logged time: 1 h 22 min
